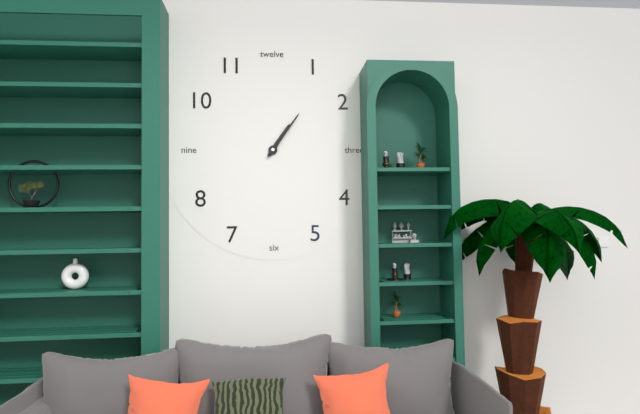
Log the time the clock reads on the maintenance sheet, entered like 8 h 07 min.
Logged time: 1 h 06 min
